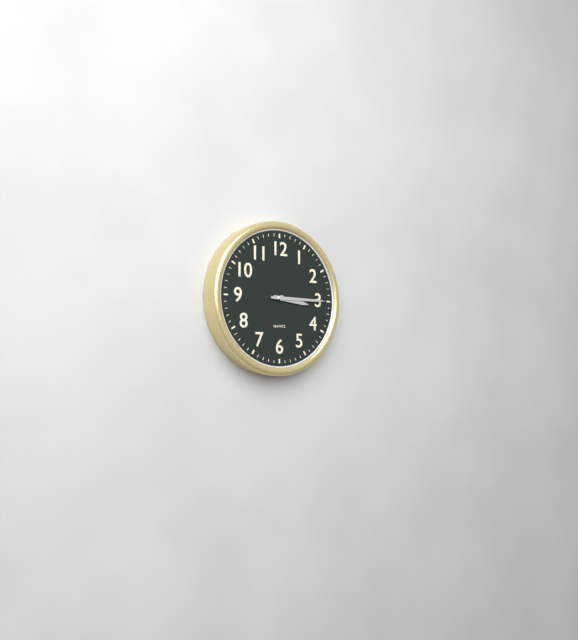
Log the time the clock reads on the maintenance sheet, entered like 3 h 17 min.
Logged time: 3 h 15 min
